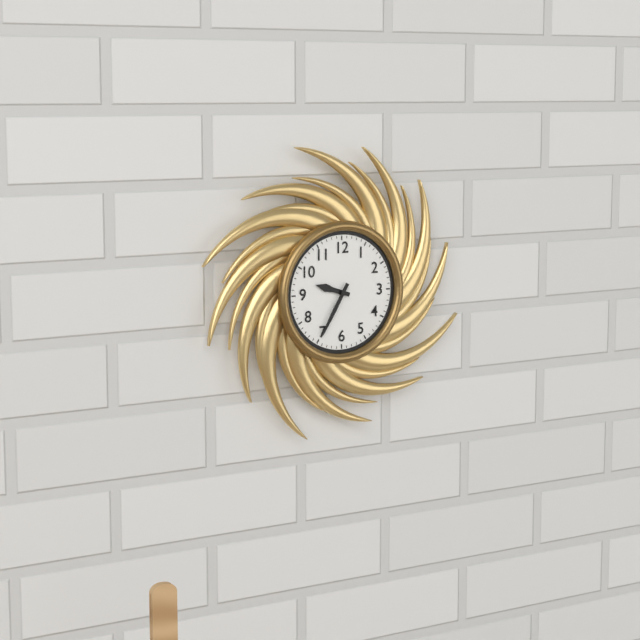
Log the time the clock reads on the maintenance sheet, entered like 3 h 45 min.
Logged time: 9 h 35 min
